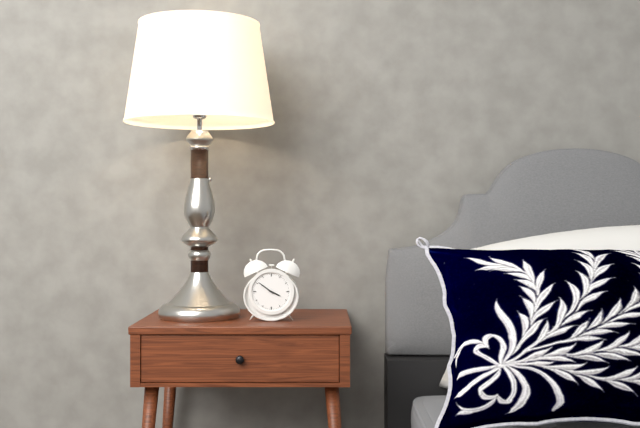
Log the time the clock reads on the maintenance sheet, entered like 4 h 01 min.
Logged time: 3 h 51 min
